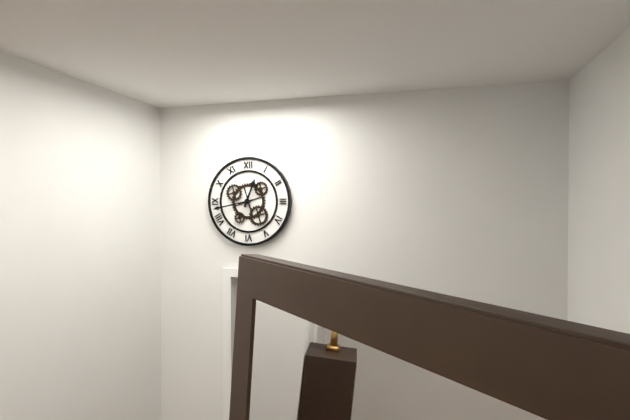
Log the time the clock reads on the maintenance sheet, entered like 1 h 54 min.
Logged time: 12 h 43 min
